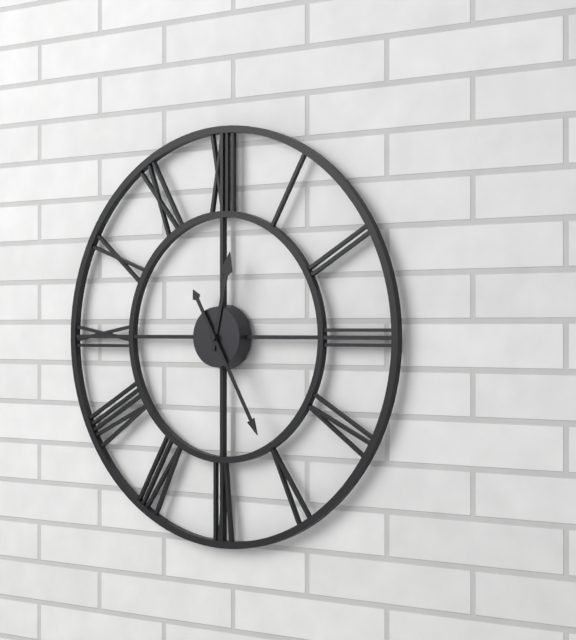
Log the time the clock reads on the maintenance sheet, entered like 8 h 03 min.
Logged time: 12 h 25 min
